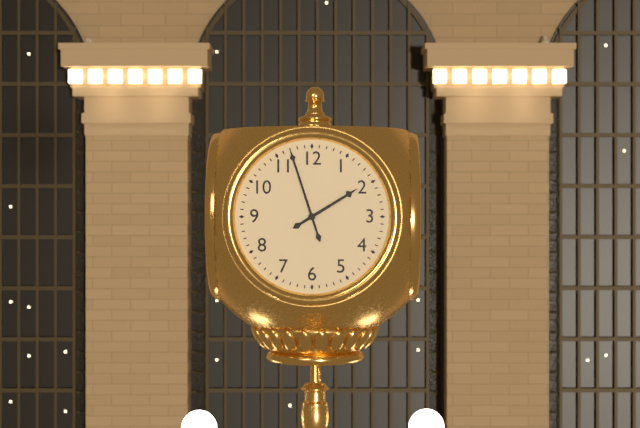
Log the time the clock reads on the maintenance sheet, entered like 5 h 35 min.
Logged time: 1 h 57 min
